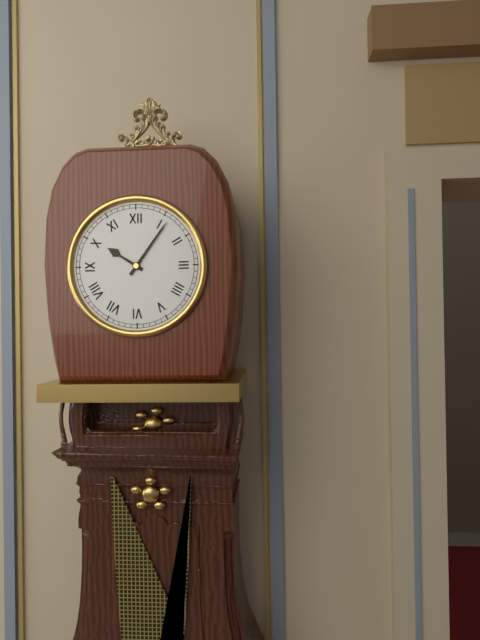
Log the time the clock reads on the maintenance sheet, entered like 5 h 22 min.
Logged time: 10 h 06 min
